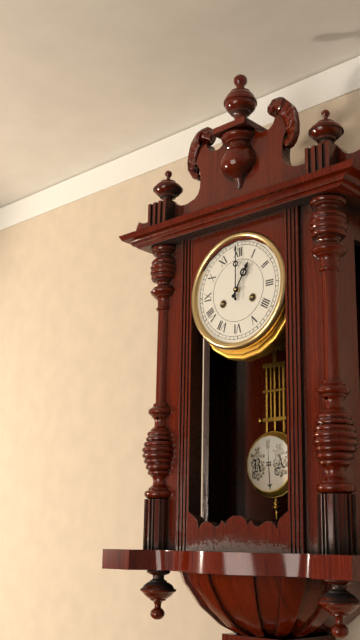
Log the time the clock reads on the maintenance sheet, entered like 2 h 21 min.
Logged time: 1 h 00 min
